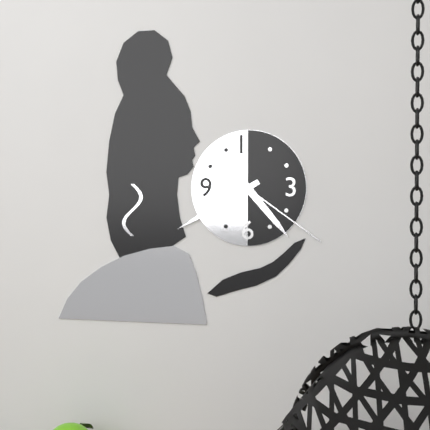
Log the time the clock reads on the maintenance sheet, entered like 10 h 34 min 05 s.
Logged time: 4 h 40 min 21 s
